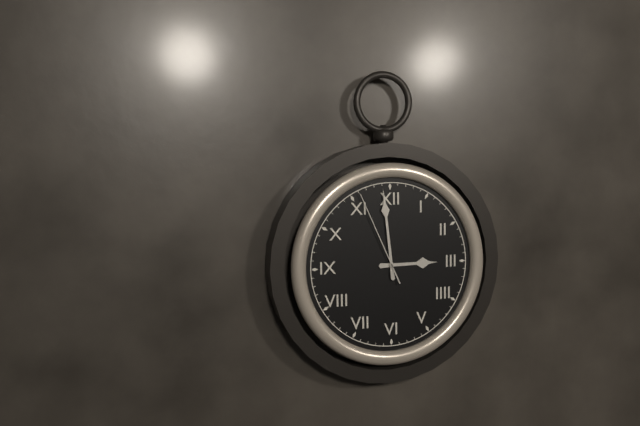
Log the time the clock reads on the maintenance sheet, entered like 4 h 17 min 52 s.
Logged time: 2 h 59 min 56 s
